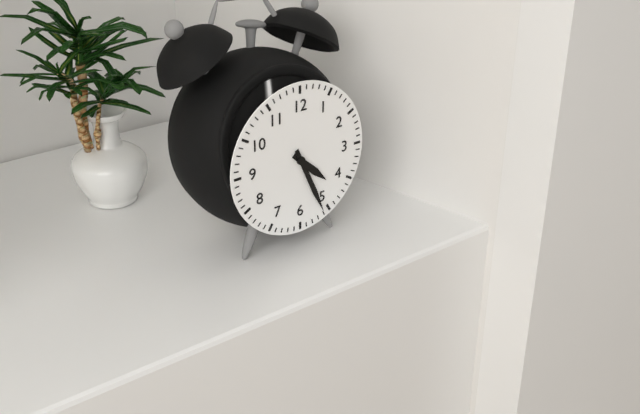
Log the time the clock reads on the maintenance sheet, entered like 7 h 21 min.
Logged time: 4 h 26 min
